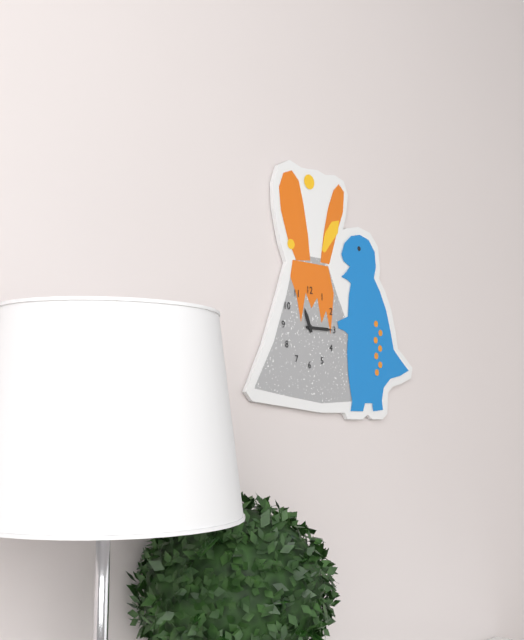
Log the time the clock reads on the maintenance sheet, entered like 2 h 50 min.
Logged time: 11 h 15 min
